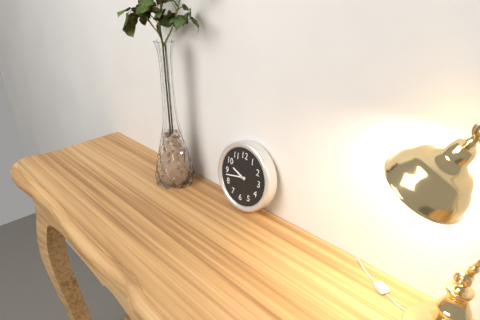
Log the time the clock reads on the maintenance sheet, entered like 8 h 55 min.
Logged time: 9 h 43 min
